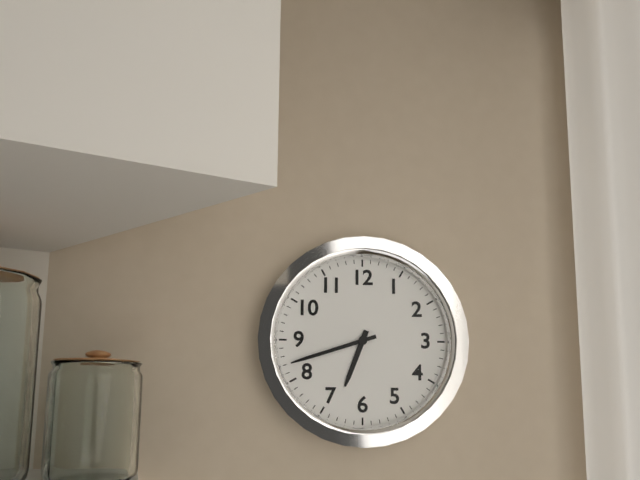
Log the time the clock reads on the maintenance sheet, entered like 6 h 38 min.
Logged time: 6 h 42 min
